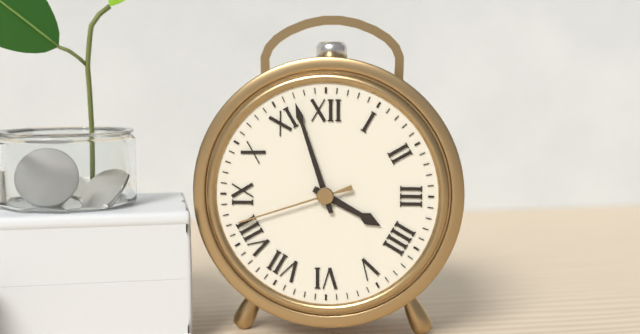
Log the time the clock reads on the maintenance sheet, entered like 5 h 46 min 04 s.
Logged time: 3 h 57 min 42 s
